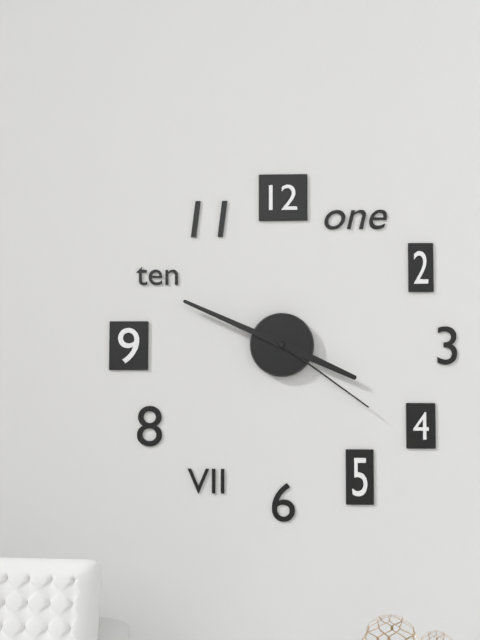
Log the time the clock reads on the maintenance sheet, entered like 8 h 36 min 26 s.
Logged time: 3 h 49 min 21 s
